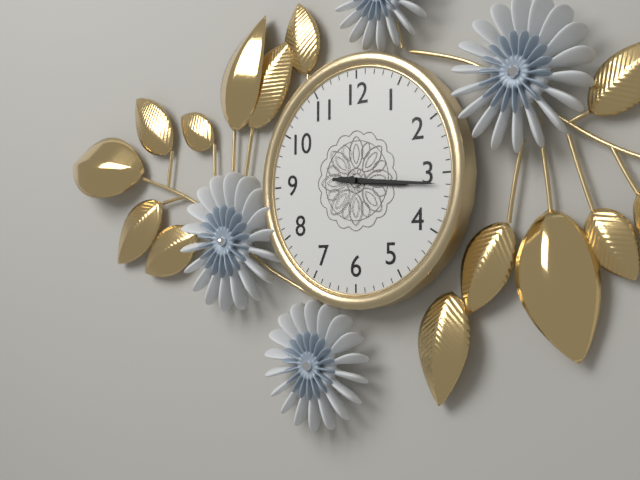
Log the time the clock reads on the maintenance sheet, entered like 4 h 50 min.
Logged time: 3 h 16 min
